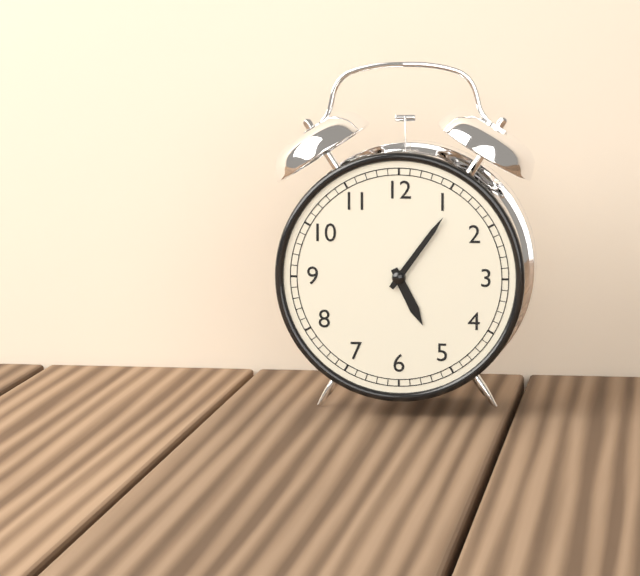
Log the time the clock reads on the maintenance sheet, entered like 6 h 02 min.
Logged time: 5 h 06 min
